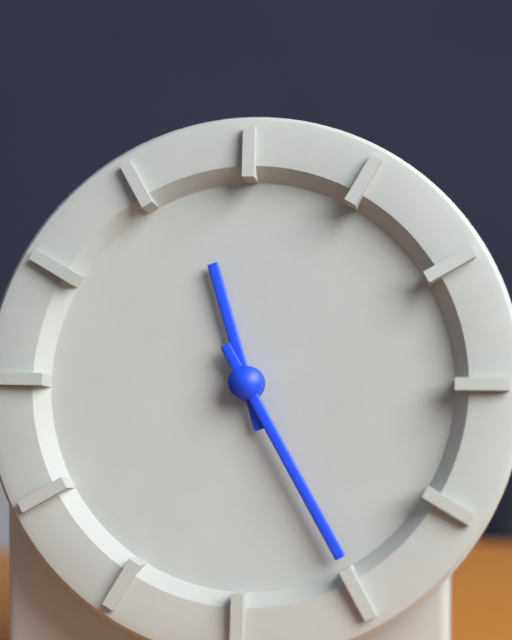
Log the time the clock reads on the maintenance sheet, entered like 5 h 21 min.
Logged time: 11 h 25 min
